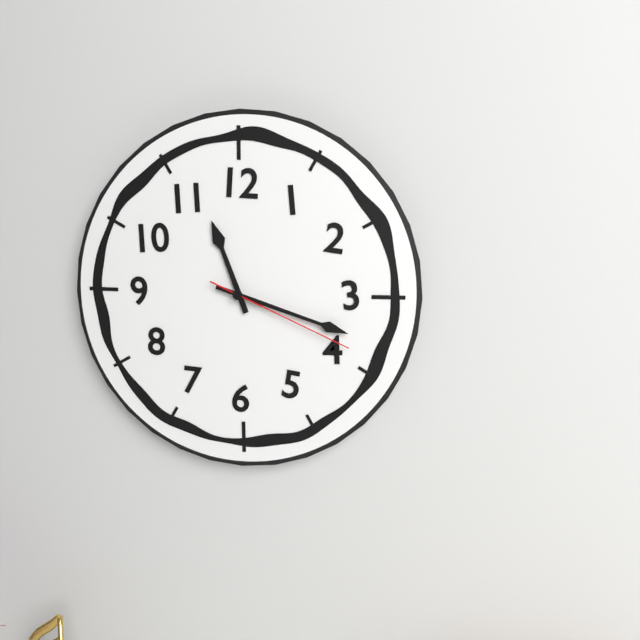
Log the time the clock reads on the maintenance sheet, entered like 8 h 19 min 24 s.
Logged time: 11 h 18 min 19 s
